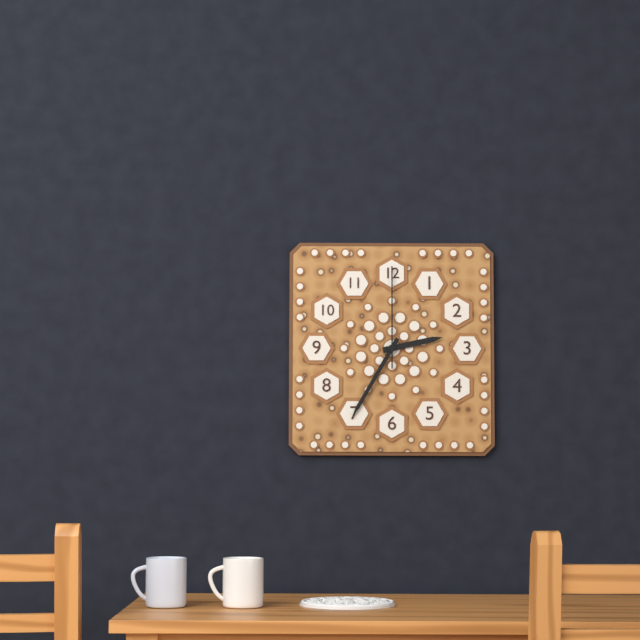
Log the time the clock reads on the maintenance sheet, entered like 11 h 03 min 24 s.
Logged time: 2 h 35 min 00 s
